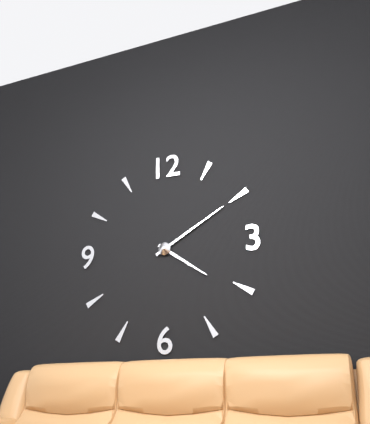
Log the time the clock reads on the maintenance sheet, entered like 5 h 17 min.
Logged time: 4 h 10 min
